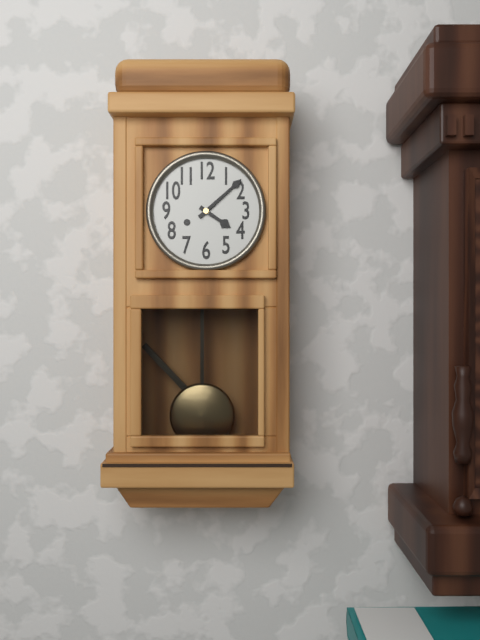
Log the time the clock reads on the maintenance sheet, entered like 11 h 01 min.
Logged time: 4 h 08 min
